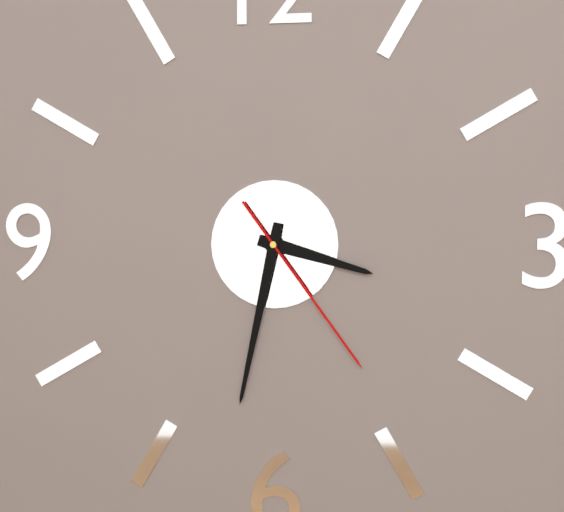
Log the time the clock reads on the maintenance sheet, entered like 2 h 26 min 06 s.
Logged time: 3 h 32 min 24 s
